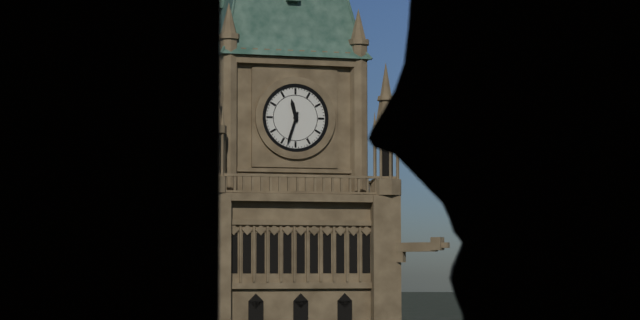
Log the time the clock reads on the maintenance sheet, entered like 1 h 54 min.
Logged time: 11 h 33 min
